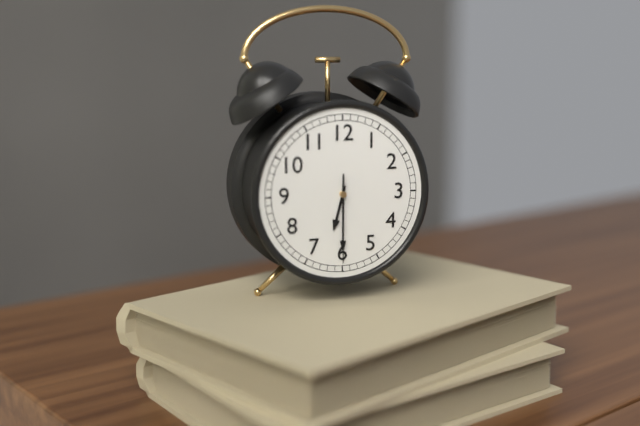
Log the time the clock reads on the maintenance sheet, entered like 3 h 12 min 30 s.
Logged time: 6 h 30 min 30 s
